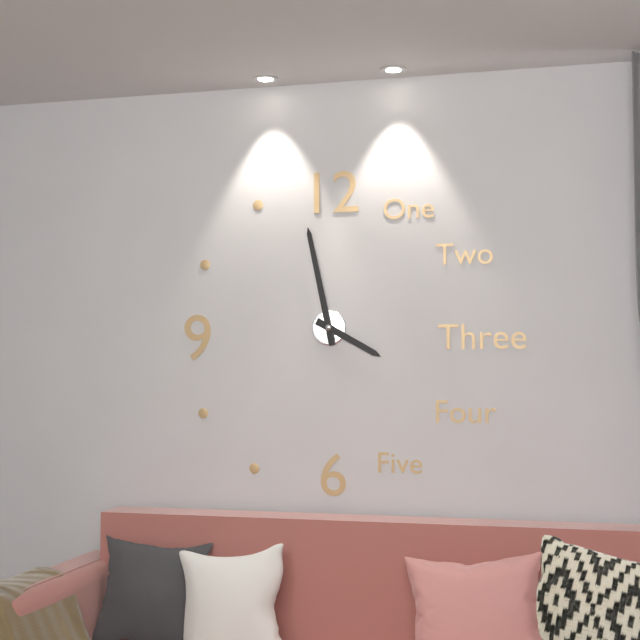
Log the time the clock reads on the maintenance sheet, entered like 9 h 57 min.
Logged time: 3 h 58 min
